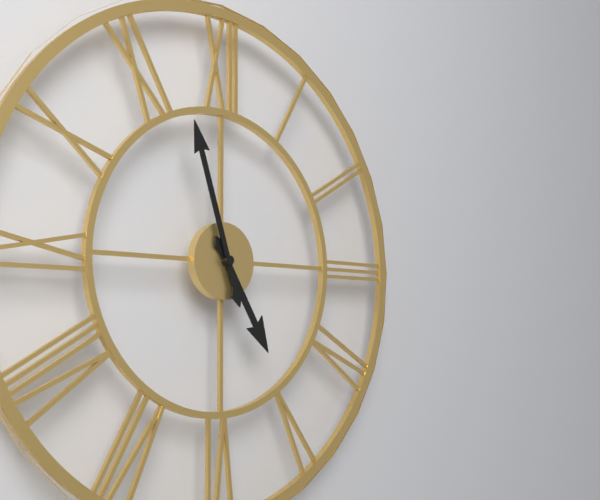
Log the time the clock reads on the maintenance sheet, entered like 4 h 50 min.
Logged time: 4 h 57 min
